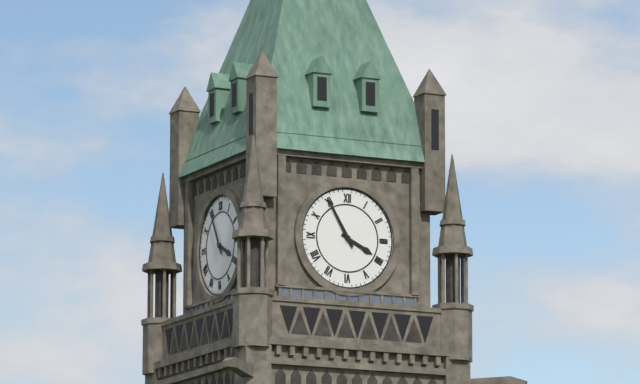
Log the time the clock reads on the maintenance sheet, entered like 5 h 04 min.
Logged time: 3 h 55 min
